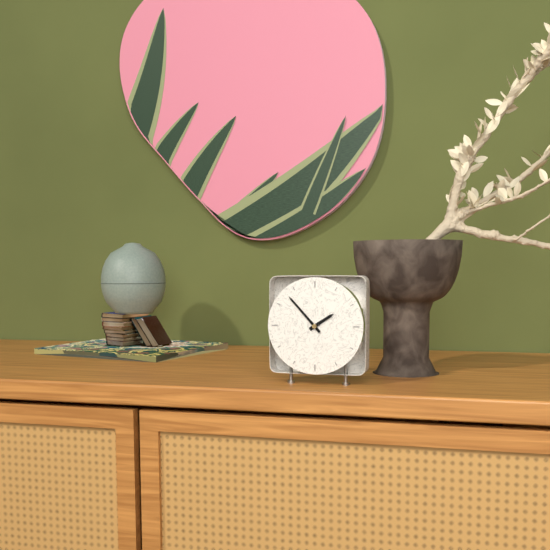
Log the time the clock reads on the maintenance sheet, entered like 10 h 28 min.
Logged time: 1 h 53 min
